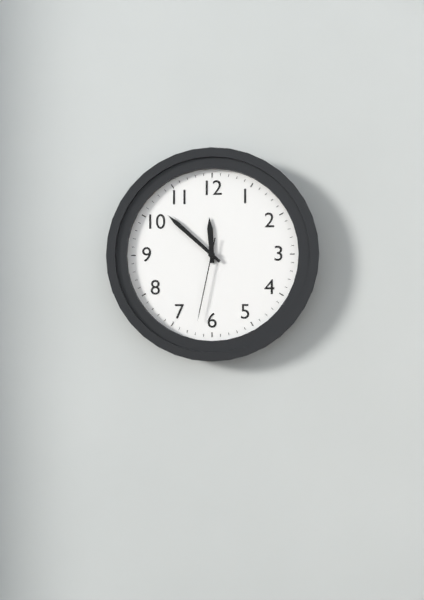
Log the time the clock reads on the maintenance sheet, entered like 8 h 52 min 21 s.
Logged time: 11 h 52 min 32 s
